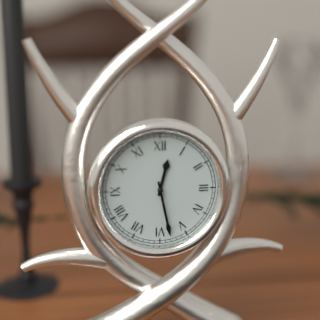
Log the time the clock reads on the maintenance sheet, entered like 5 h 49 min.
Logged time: 12 h 28 min
